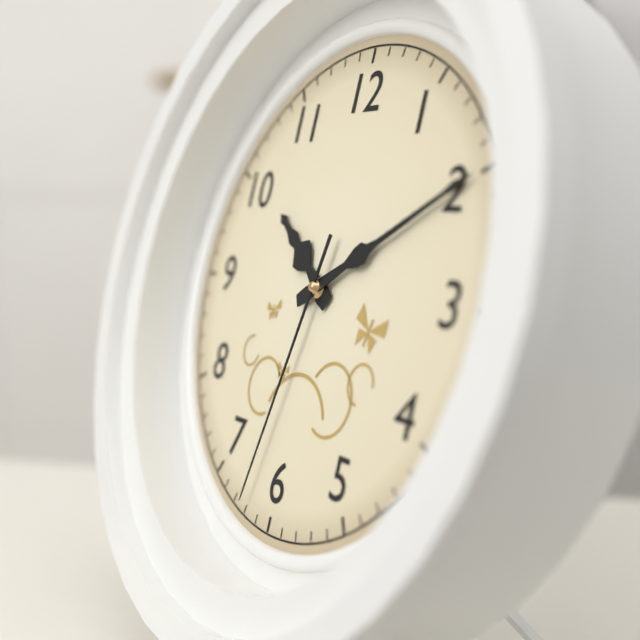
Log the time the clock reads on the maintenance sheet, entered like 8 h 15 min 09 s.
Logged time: 10 h 10 min 32 s
